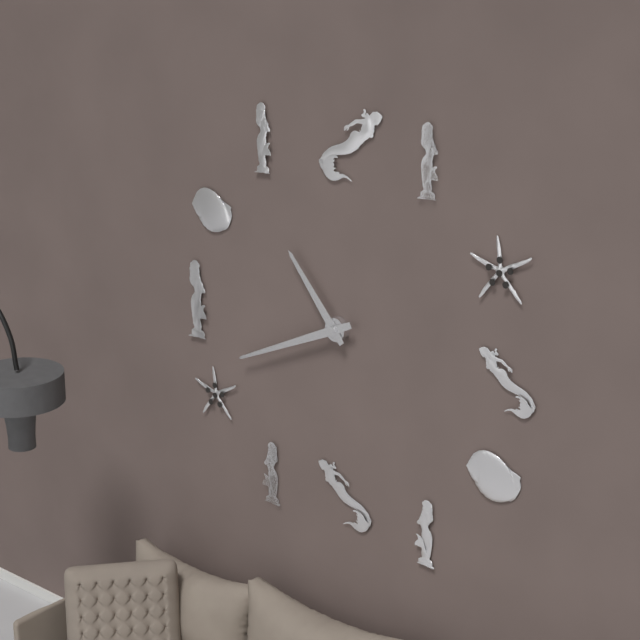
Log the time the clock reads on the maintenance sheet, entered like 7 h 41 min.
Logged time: 10 h 41 min
